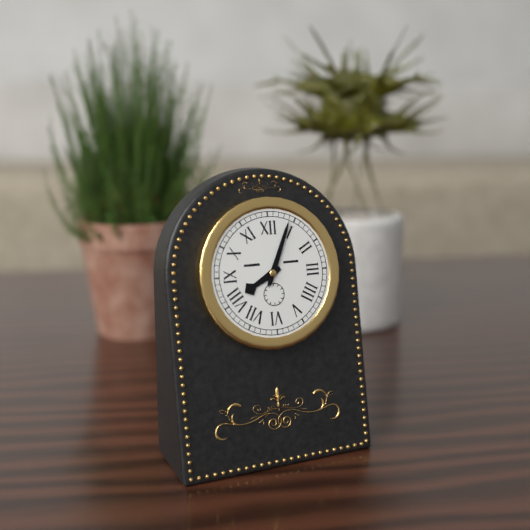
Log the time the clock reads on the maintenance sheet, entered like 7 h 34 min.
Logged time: 8 h 04 min
